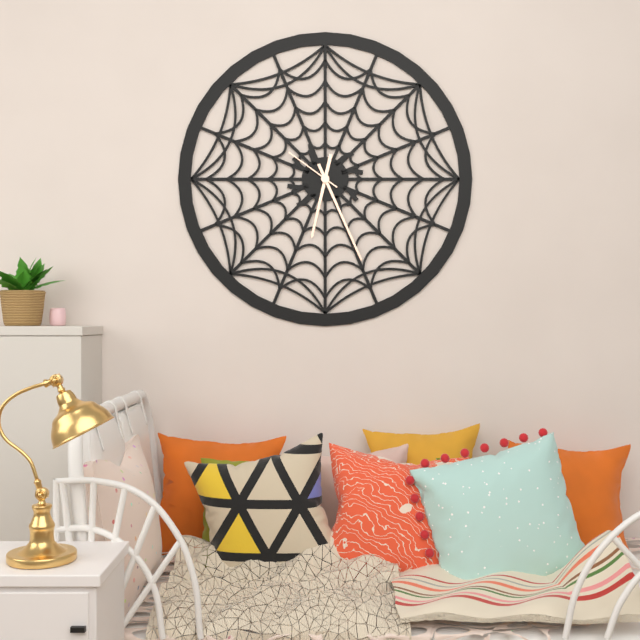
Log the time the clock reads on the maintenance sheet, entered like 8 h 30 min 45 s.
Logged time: 6 h 26 min 51 s
